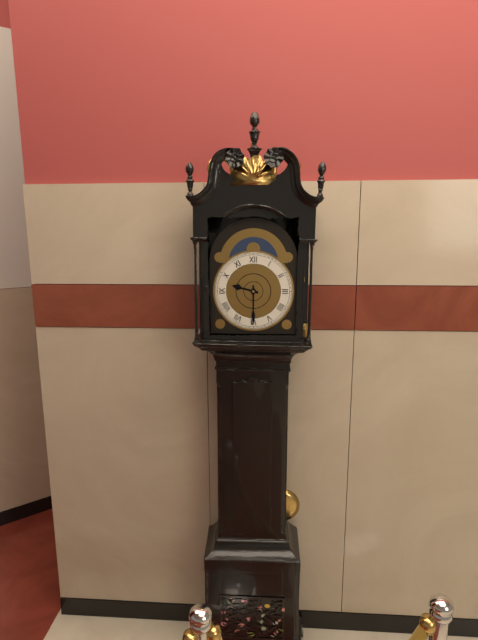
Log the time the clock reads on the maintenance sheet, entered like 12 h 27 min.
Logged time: 9 h 30 min
